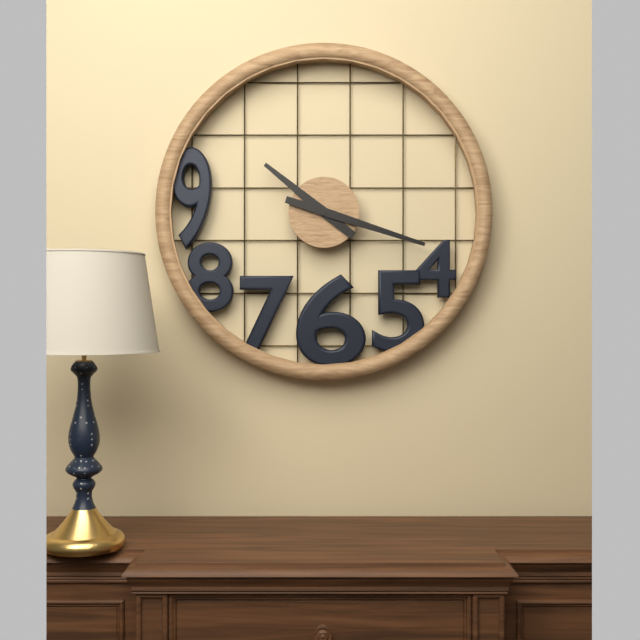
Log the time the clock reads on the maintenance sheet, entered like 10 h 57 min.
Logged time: 10 h 18 min
